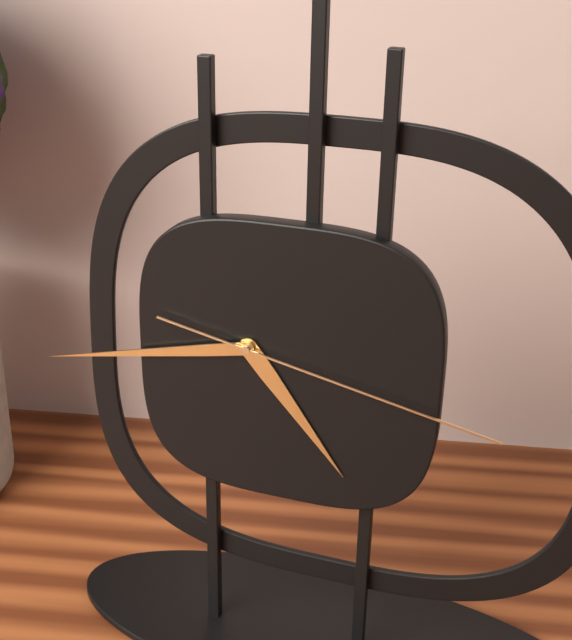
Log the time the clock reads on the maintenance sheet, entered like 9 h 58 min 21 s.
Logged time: 4 h 43 min 17 s
